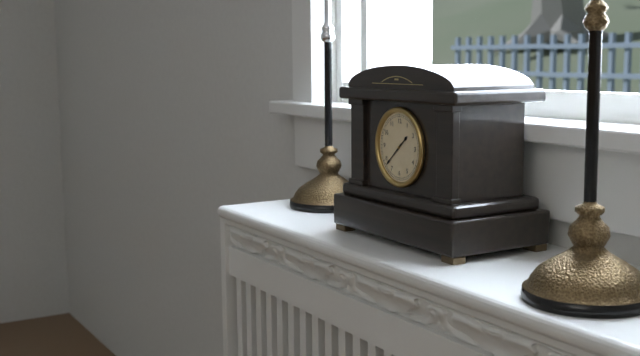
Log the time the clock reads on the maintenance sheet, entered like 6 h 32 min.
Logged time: 1 h 38 min
